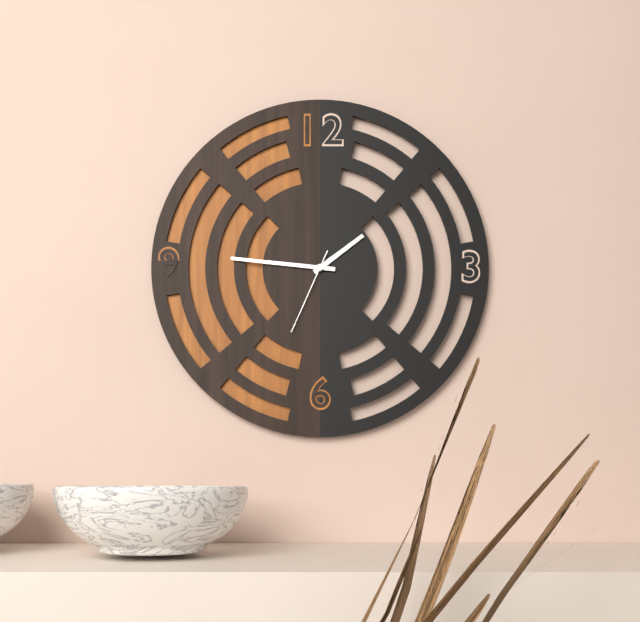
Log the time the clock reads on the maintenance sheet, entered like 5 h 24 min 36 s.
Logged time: 1 h 46 min 34 s
